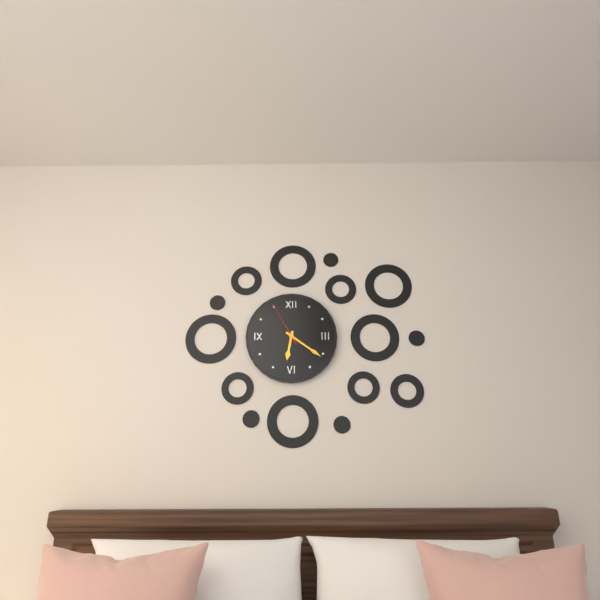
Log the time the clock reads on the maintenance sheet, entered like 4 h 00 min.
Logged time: 6 h 21 min
